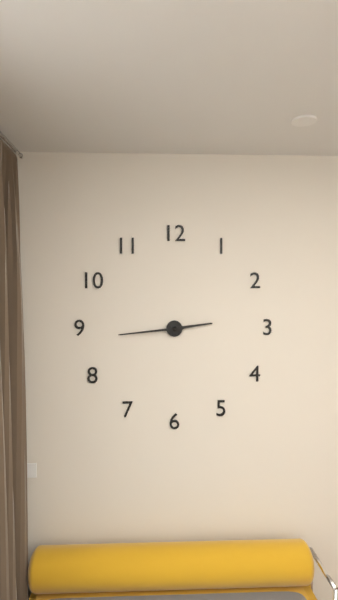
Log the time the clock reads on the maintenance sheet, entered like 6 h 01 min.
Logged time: 2 h 44 min
